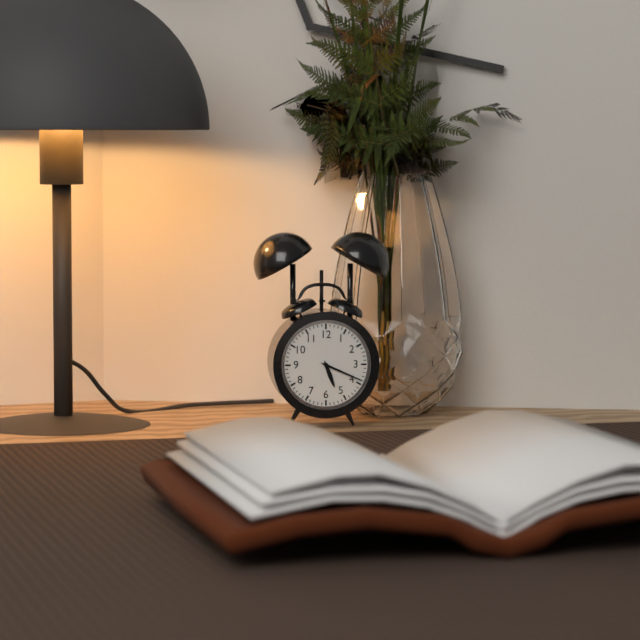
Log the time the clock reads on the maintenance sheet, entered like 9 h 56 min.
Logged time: 5 h 19 min
